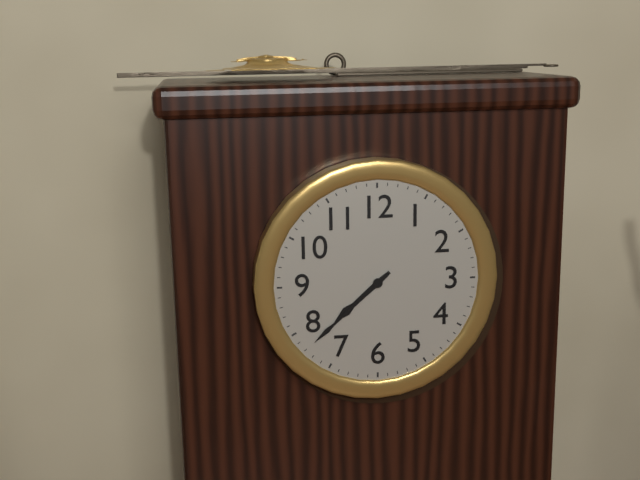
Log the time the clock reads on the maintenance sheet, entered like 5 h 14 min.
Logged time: 7 h 38 min
